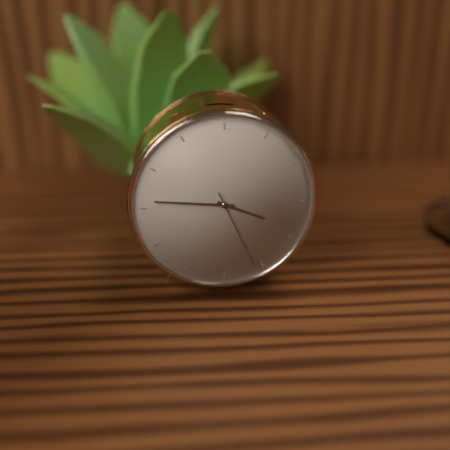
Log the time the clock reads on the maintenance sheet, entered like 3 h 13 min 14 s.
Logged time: 3 h 46 min 26 s
